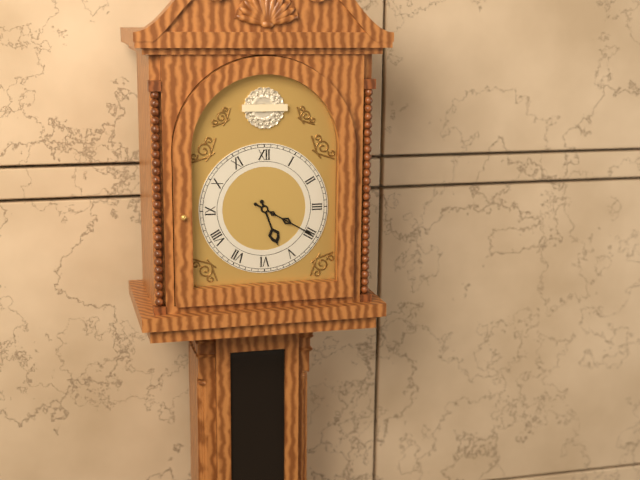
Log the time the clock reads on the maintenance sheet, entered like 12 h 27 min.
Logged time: 5 h 20 min
